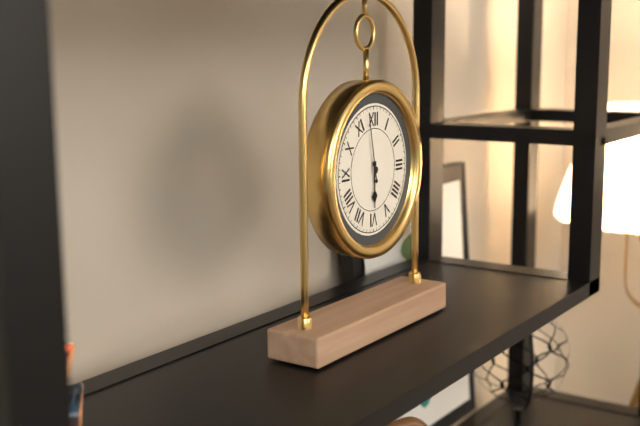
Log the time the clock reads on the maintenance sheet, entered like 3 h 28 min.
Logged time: 5 h 58 min
